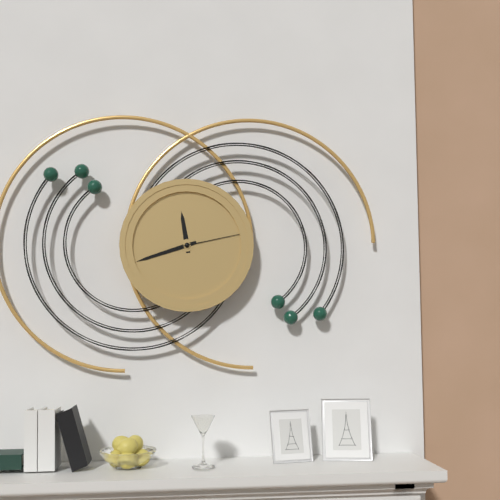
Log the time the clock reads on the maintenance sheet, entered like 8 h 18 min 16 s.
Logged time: 11 h 42 min 13 s
